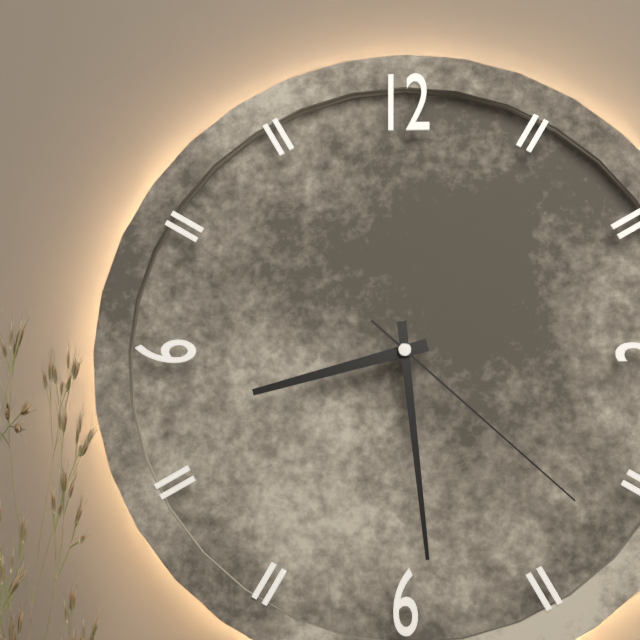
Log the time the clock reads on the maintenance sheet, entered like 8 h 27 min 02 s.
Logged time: 8 h 29 min 22 s
